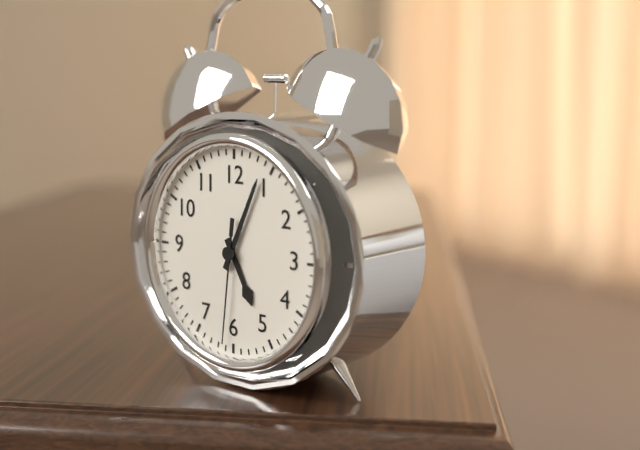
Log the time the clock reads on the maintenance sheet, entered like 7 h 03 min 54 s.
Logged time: 5 h 04 min 31 s
